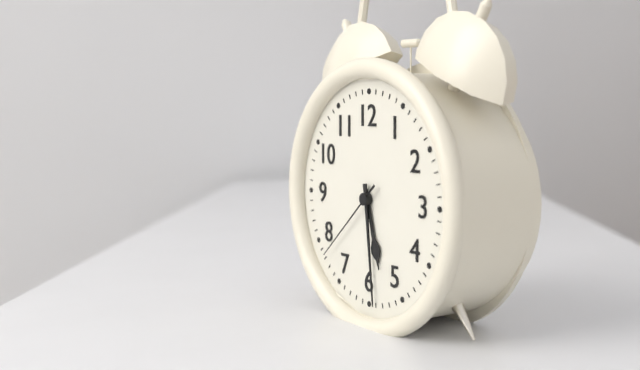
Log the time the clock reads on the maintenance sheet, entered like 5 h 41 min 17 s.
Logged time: 5 h 29 min 38 s
